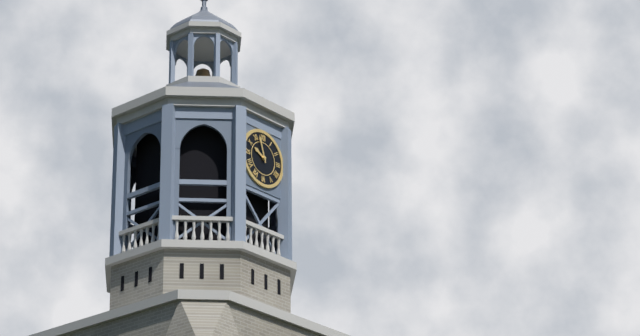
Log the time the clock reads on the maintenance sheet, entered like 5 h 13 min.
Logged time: 9 h 57 min
